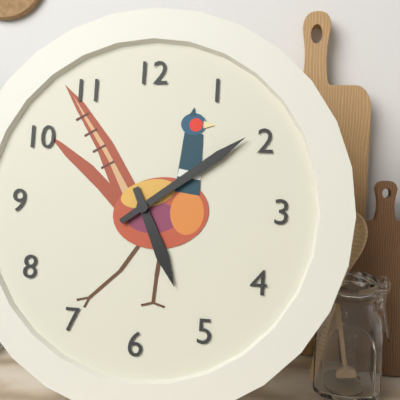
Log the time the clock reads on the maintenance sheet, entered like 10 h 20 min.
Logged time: 5 h 09 min
